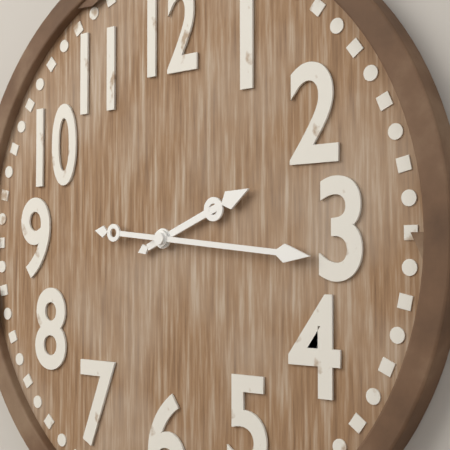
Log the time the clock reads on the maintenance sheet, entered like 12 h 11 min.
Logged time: 2 h 16 min
